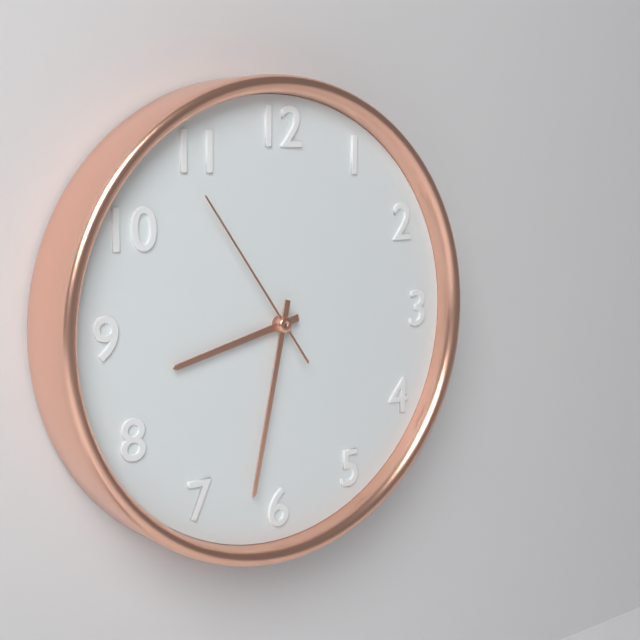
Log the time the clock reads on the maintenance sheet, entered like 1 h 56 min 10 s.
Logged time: 8 h 32 min 54 s
